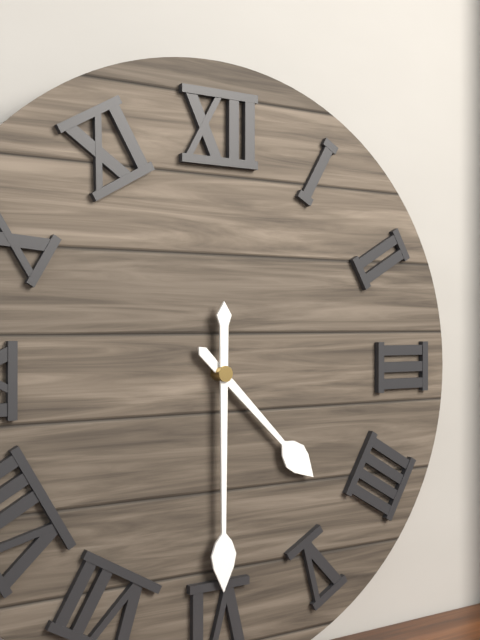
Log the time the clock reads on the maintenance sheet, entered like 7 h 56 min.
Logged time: 4 h 30 min
